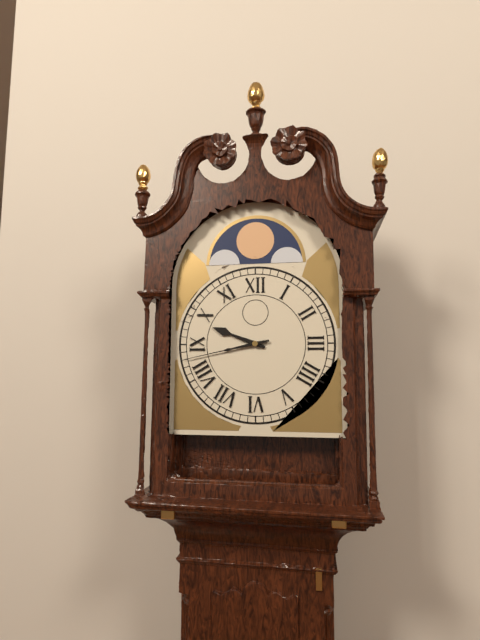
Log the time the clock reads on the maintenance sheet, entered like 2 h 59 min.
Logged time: 9 h 43 min
